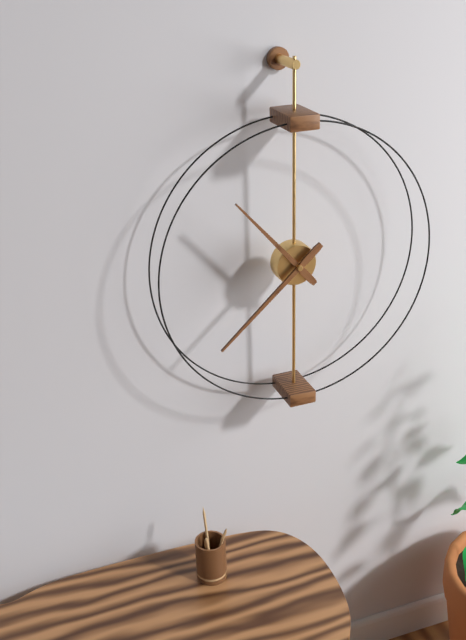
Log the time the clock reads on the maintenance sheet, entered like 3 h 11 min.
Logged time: 10 h 38 min
